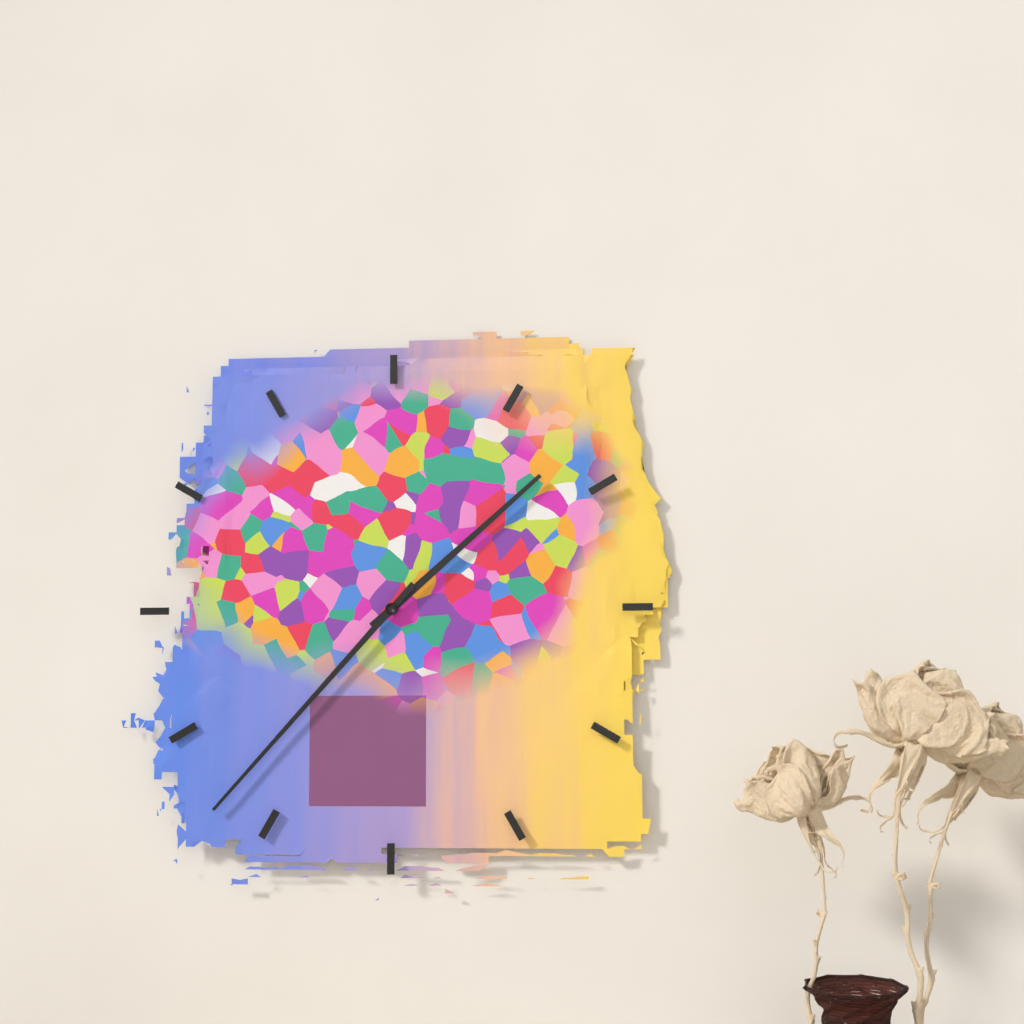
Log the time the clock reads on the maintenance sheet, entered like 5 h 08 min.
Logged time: 1 h 37 min
